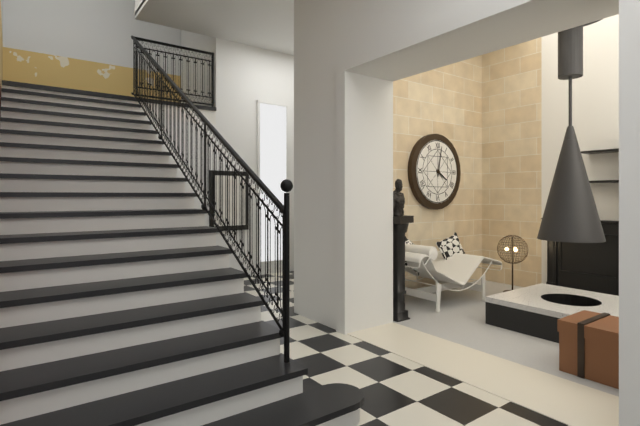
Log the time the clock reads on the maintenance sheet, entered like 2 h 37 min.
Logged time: 4 h 02 min
